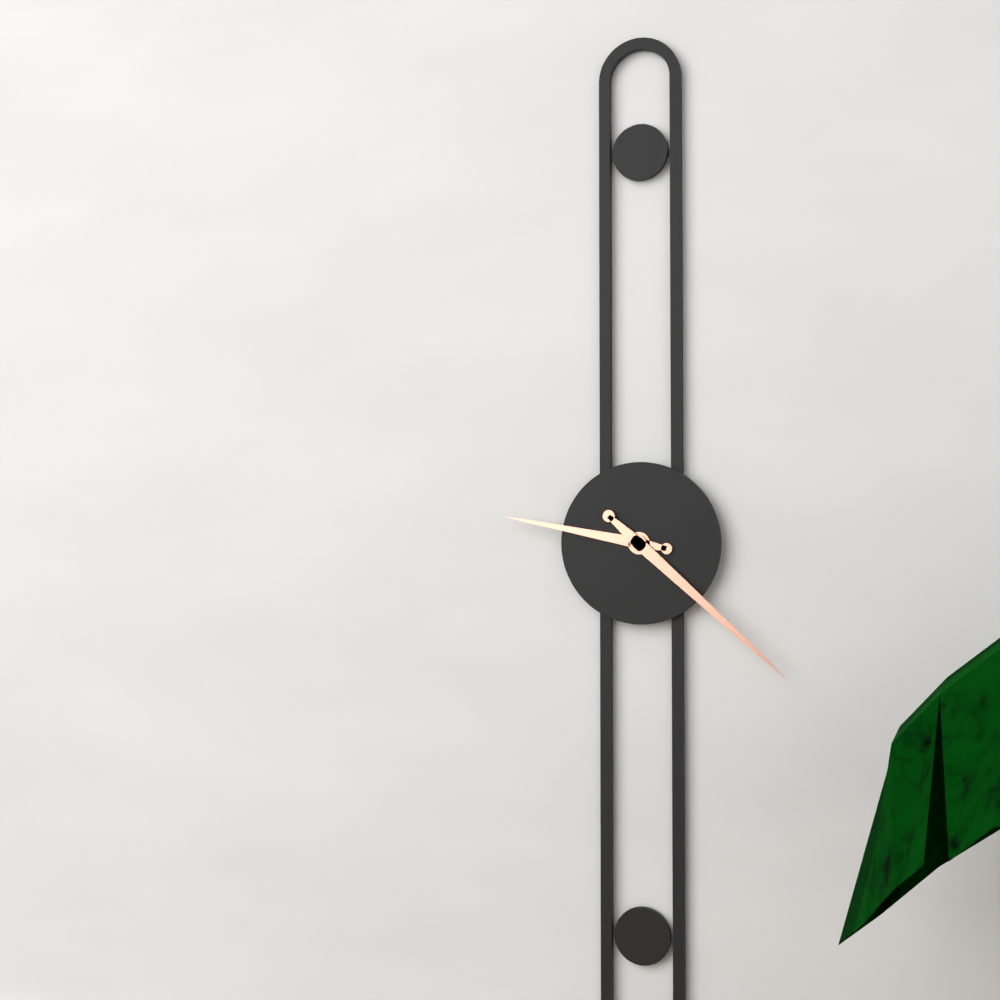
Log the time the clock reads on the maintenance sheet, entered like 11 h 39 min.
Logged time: 9 h 22 min
